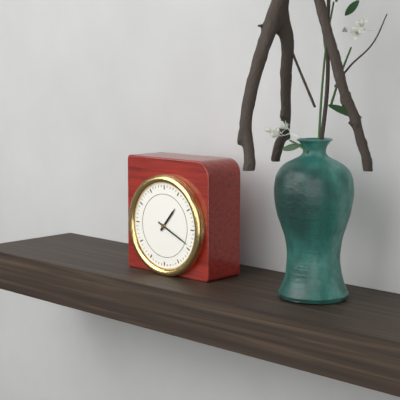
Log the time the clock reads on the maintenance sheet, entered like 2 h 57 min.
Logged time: 1 h 19 min
